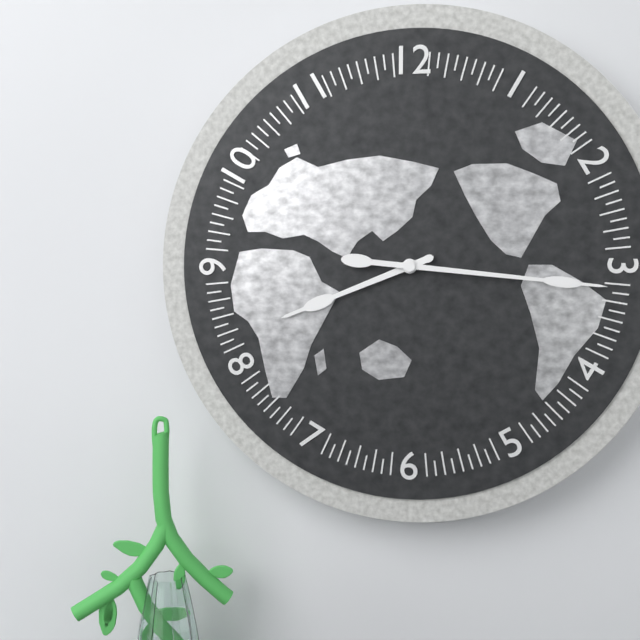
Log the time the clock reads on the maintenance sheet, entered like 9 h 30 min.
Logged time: 8 h 16 min
